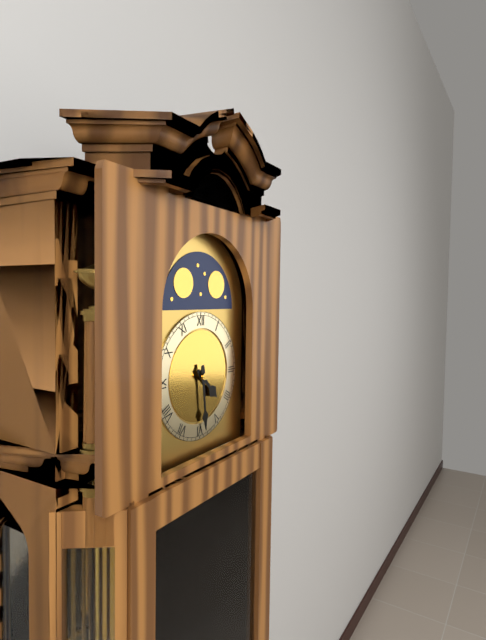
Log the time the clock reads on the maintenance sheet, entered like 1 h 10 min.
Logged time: 4 h 29 min
